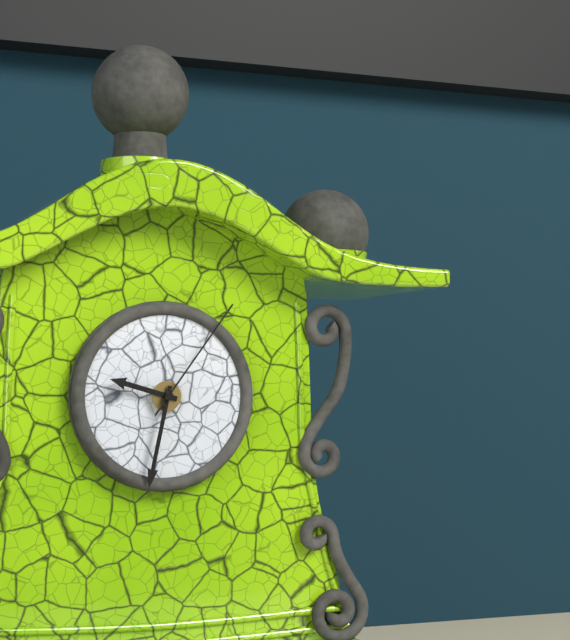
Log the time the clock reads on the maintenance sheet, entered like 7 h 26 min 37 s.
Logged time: 9 h 32 min 06 s
